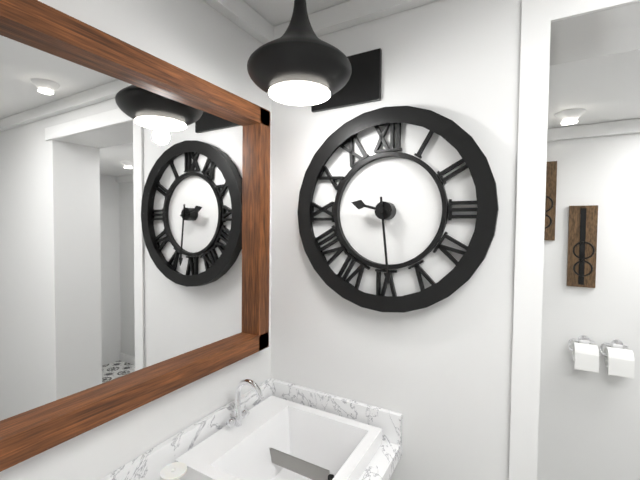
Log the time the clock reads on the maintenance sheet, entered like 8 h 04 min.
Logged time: 9 h 29 min
